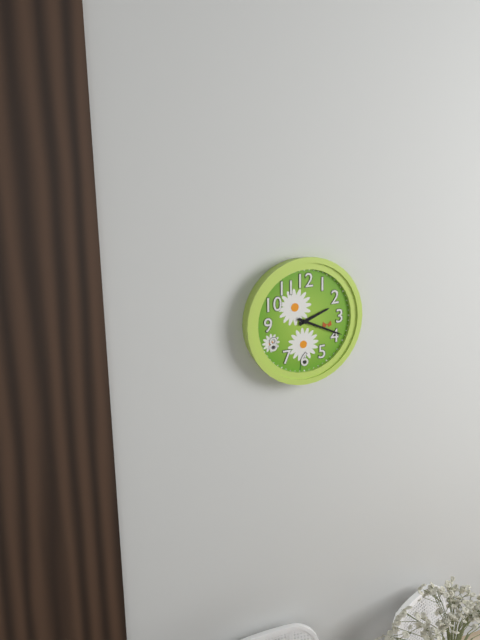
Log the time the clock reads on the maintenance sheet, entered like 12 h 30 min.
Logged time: 2 h 19 min
